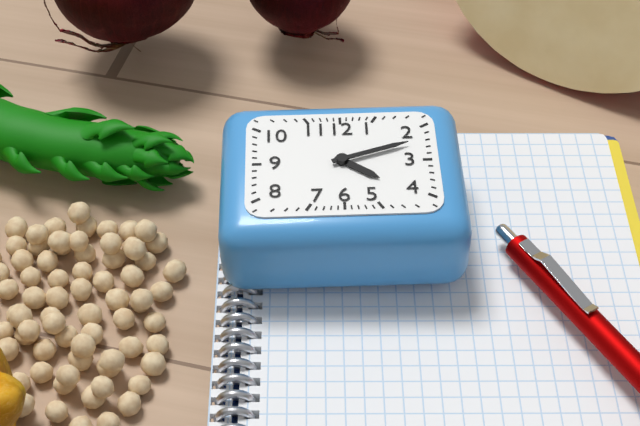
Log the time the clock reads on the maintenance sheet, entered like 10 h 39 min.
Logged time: 4 h 12 min
